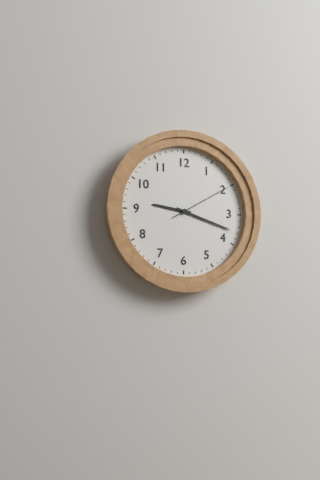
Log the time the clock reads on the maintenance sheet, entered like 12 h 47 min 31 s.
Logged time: 9 h 18 min 10 s
